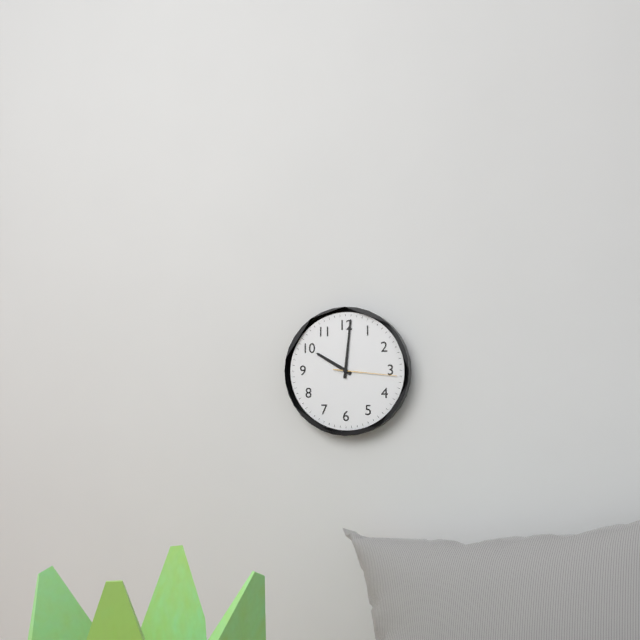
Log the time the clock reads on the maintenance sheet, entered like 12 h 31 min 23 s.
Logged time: 10 h 01 min 16 s
